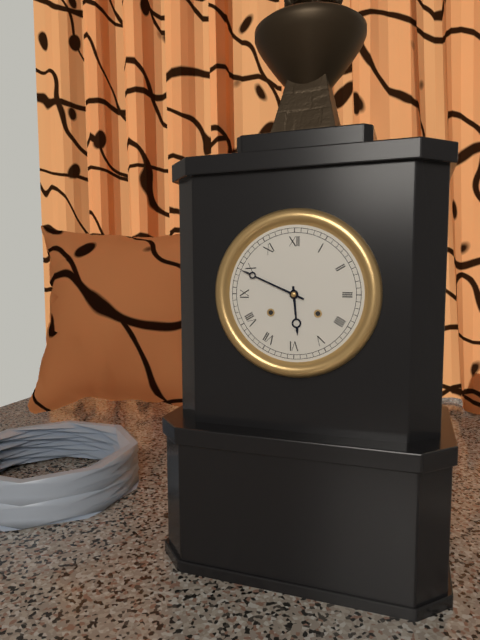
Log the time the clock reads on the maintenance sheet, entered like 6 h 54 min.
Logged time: 5 h 49 min
